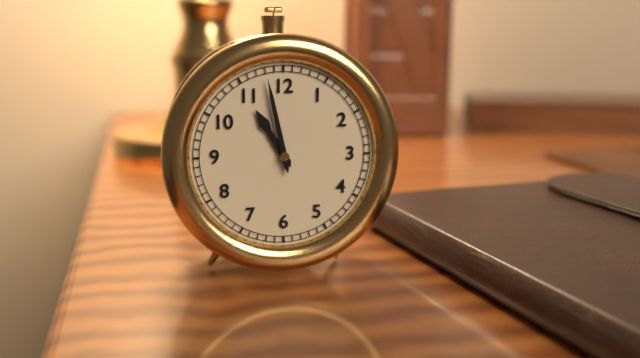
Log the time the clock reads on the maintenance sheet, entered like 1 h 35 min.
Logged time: 10 h 58 min
